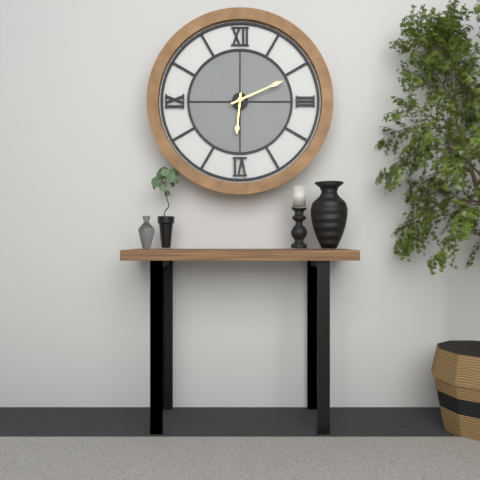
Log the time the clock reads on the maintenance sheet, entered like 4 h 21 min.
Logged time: 6 h 11 min
